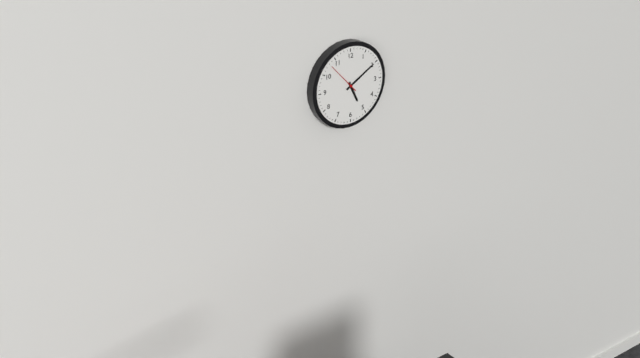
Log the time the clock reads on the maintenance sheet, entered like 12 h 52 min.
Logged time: 5 h 10 min
